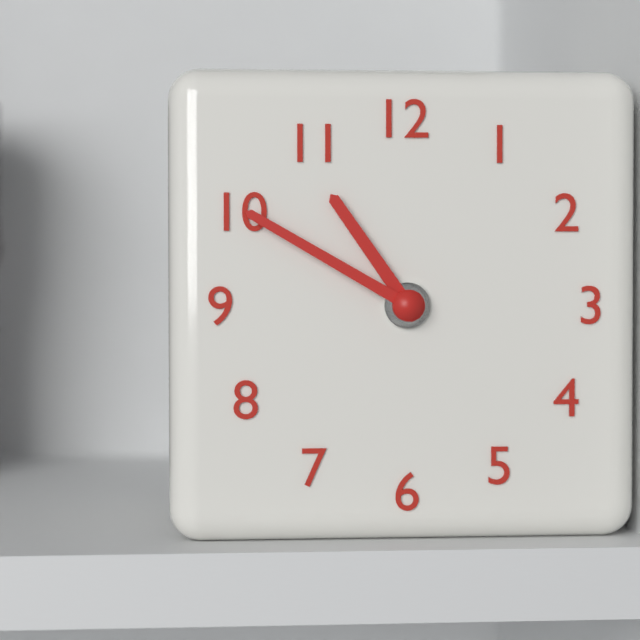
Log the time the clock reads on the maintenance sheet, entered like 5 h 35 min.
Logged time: 10 h 50 min
